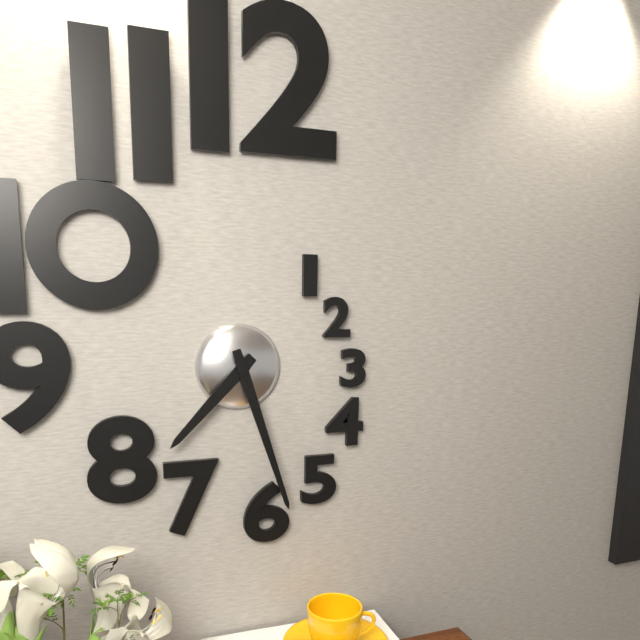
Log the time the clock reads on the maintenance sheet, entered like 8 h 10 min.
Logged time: 7 h 27 min
